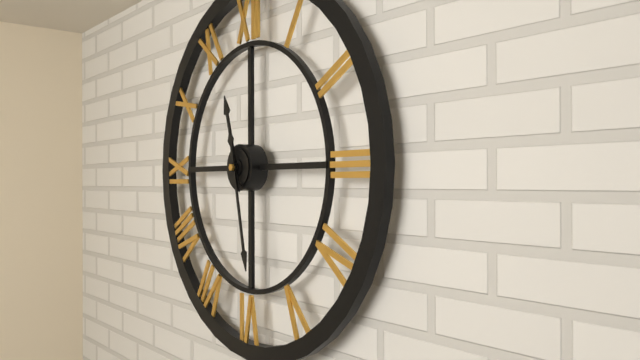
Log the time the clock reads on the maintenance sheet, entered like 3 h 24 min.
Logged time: 11 h 28 min
